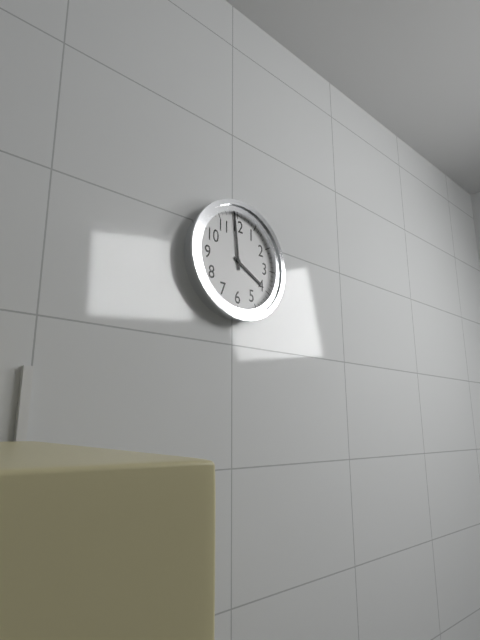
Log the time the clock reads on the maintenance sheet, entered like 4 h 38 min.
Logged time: 3 h 59 min
